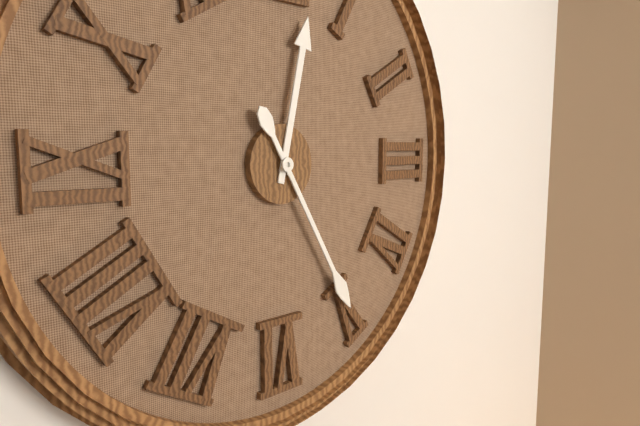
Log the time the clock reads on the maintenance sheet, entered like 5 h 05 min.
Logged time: 12 h 25 min
